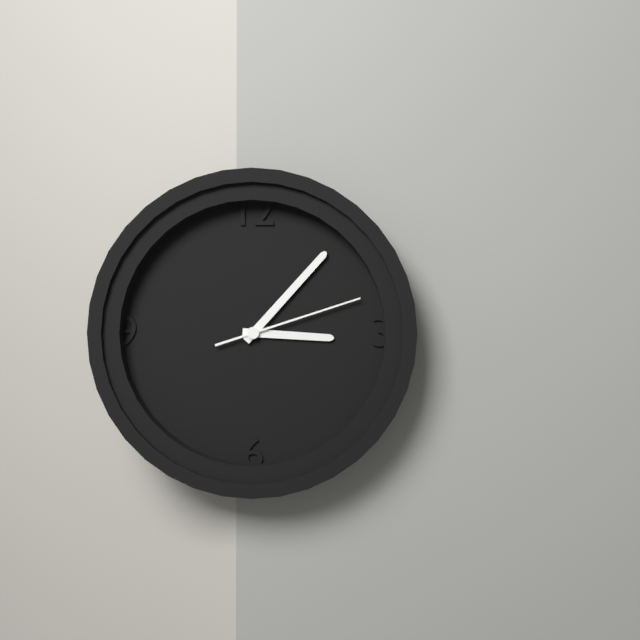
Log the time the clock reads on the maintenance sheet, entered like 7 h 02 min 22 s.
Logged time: 3 h 07 min 12 s
